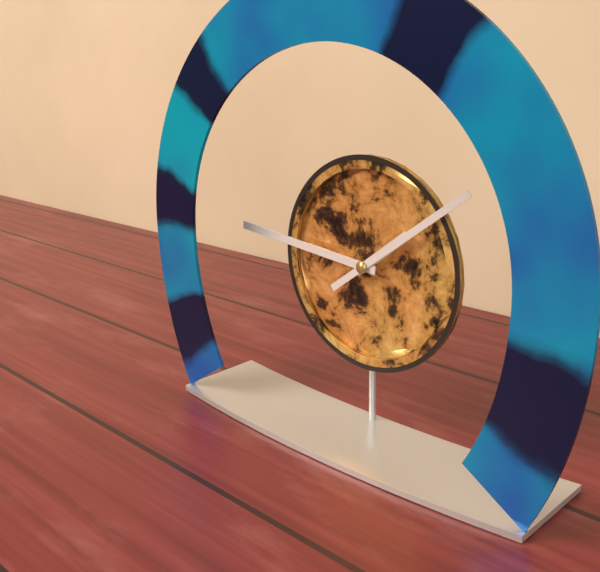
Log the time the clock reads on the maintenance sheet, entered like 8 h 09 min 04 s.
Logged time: 1 h 46 min 09 s
